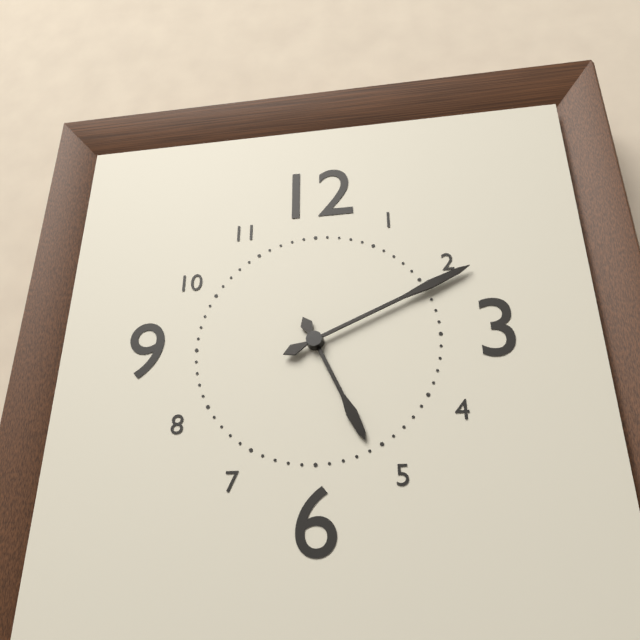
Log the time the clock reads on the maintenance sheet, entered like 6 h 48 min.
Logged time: 5 h 11 min
